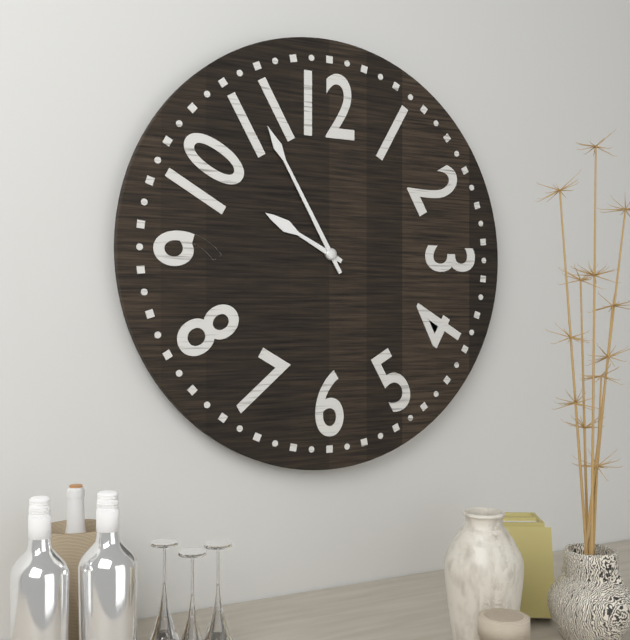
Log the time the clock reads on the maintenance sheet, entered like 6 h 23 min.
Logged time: 9 h 55 min
